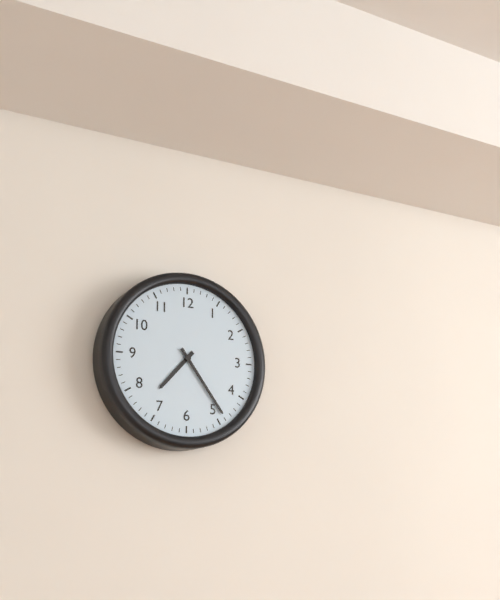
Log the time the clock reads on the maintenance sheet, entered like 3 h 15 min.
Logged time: 7 h 24 min
